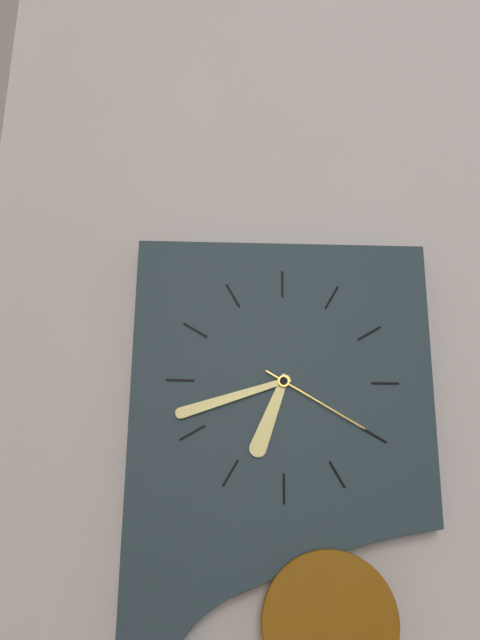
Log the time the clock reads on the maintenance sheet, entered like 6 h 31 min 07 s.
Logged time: 6 h 42 min 20 s
